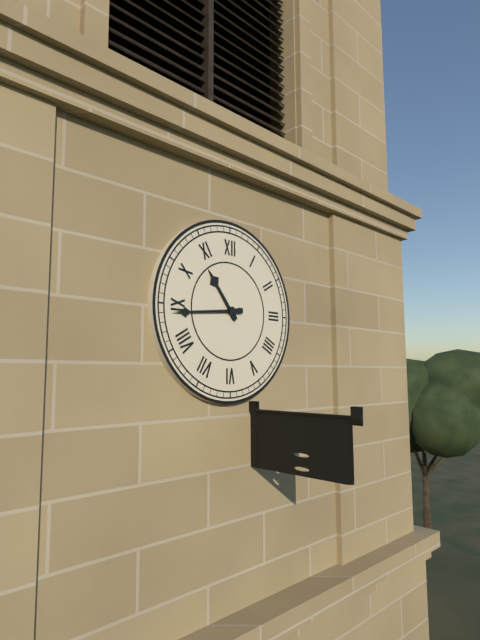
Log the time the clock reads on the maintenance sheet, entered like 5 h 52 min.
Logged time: 10 h 44 min
